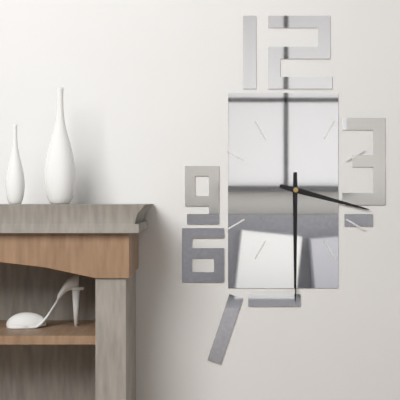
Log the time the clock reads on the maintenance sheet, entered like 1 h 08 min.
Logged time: 3 h 30 min
